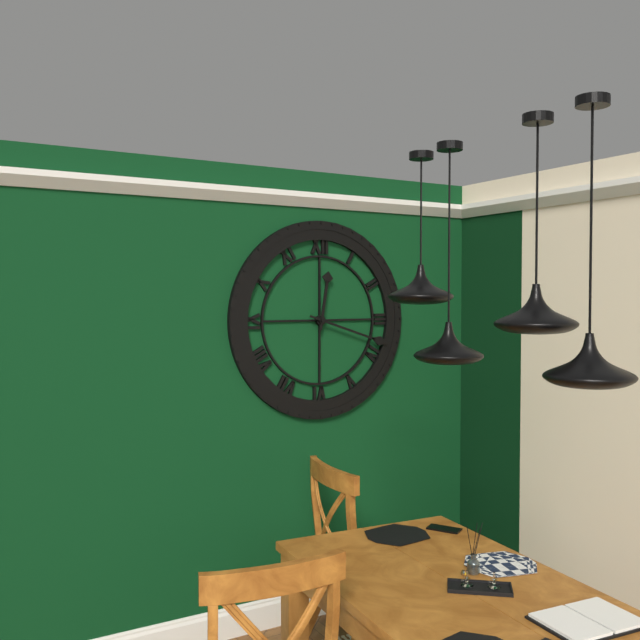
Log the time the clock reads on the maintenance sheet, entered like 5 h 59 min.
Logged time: 12 h 18 min
